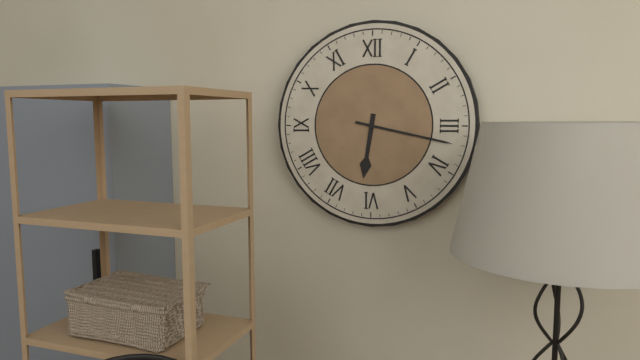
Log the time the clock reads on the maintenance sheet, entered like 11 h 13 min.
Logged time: 6 h 17 min
